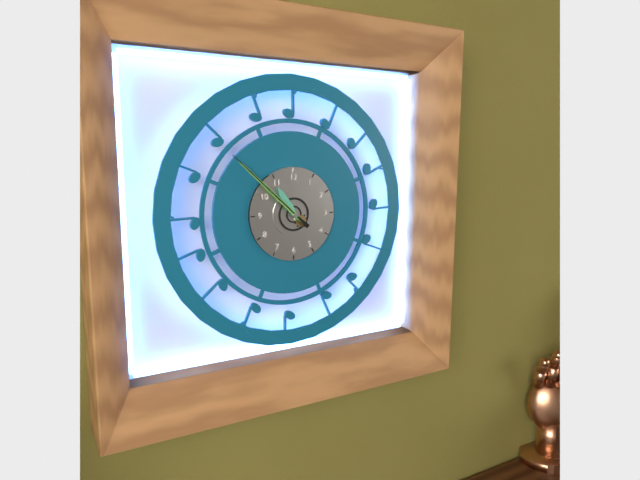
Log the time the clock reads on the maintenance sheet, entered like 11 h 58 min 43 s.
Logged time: 10 h 52 min 52 s
